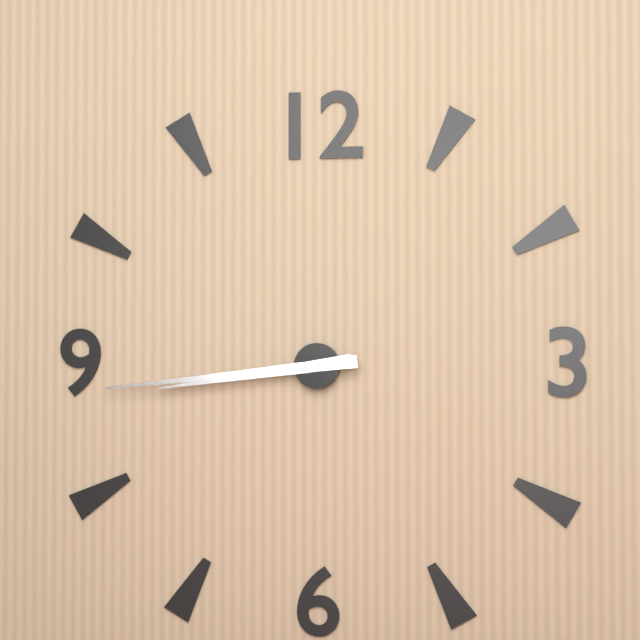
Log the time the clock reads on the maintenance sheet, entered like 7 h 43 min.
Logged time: 8 h 44 min
